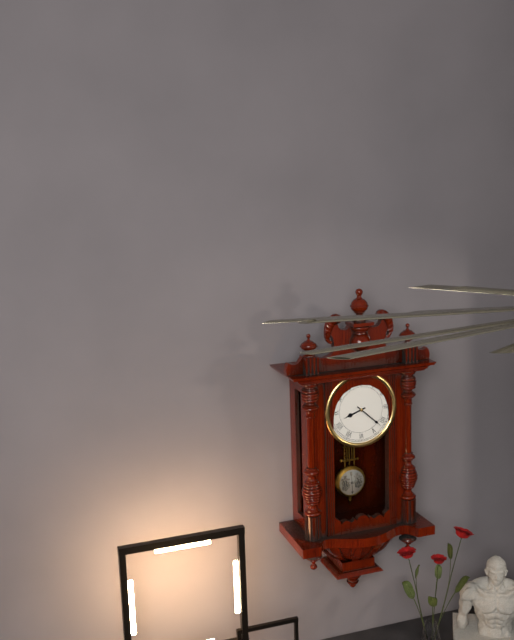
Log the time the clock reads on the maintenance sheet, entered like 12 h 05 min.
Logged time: 8 h 22 min
